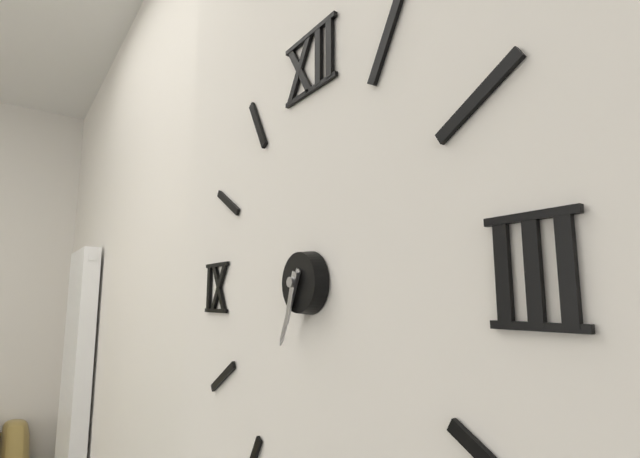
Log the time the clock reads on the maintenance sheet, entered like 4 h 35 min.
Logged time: 6 h 34 min
